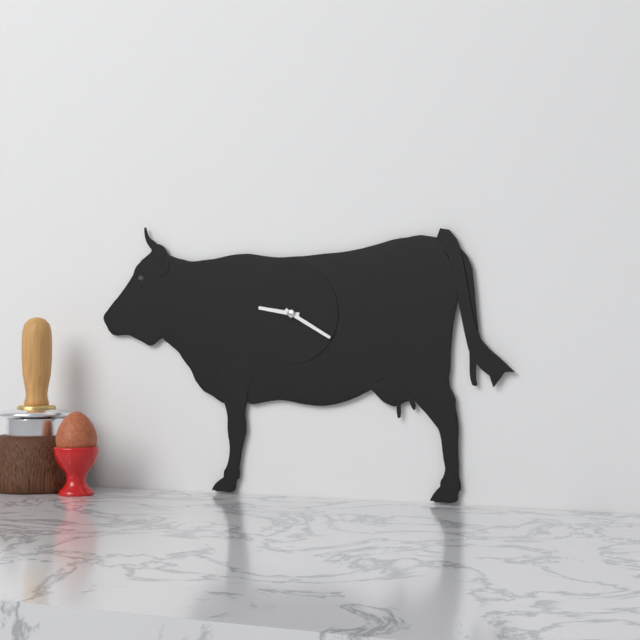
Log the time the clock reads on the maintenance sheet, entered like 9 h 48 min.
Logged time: 9 h 20 min
